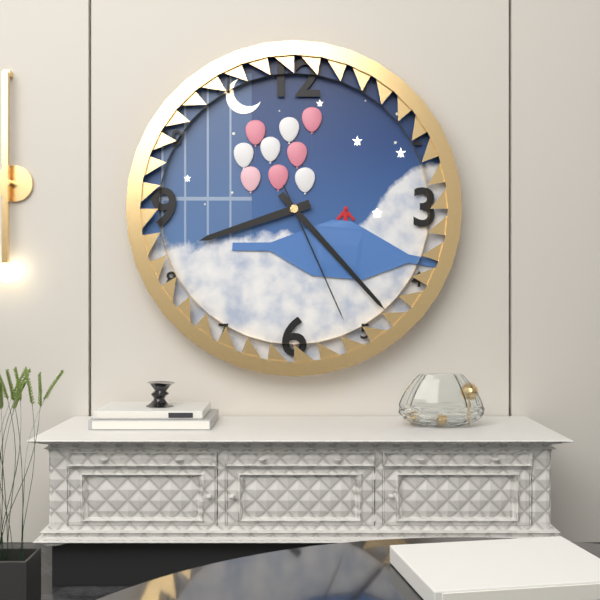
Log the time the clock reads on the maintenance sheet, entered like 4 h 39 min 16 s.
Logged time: 8 h 23 min 26 s
